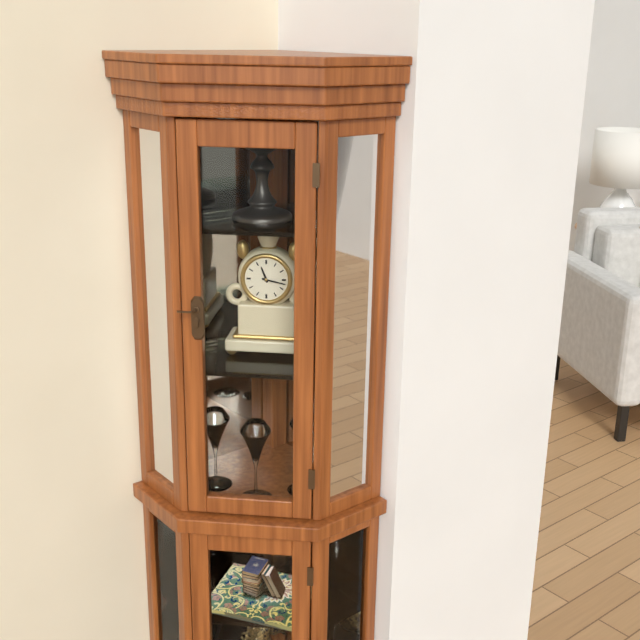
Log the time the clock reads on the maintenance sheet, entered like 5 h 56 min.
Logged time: 11 h 17 min
